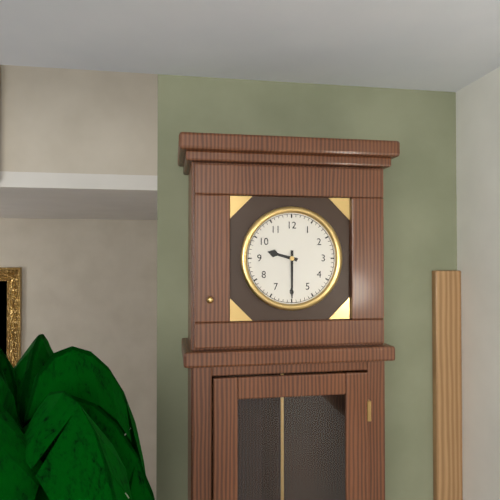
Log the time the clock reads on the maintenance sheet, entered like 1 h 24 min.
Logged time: 9 h 30 min
